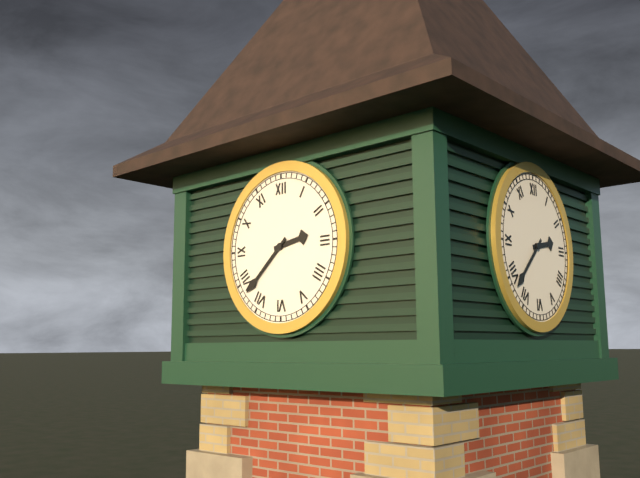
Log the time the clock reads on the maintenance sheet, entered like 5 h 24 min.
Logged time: 2 h 38 min
